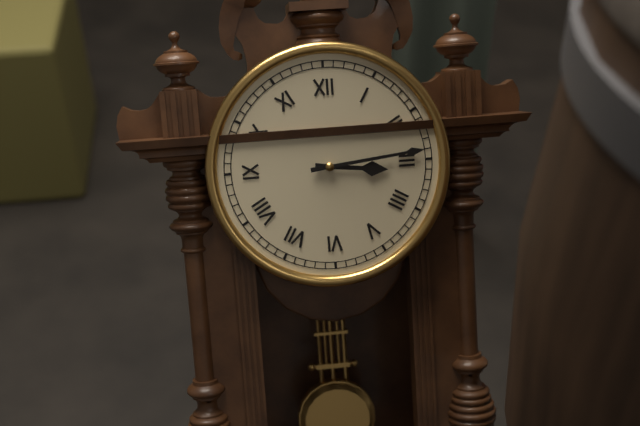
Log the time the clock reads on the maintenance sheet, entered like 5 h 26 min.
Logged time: 3 h 14 min
